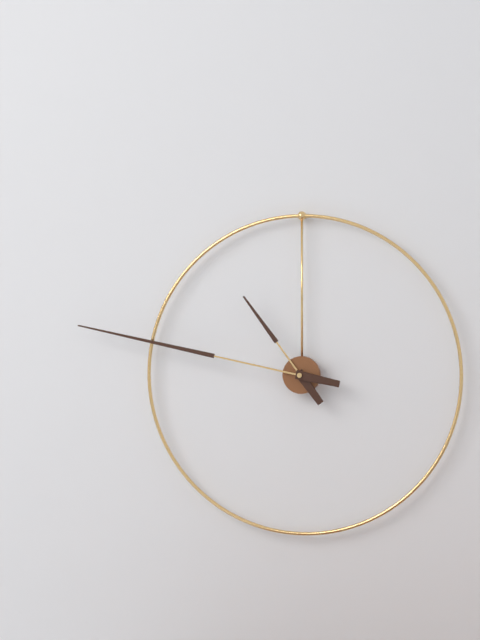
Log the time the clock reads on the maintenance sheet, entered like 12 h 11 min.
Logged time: 10 h 47 min
